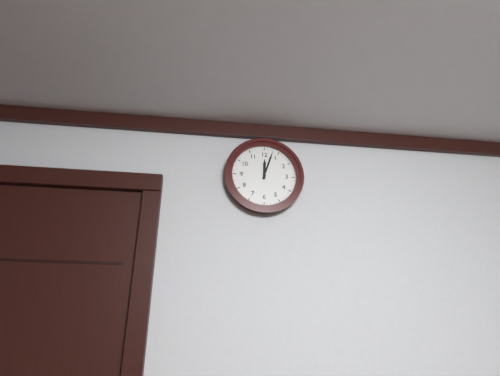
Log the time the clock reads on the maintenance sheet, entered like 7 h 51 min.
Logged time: 12 h 03 min
